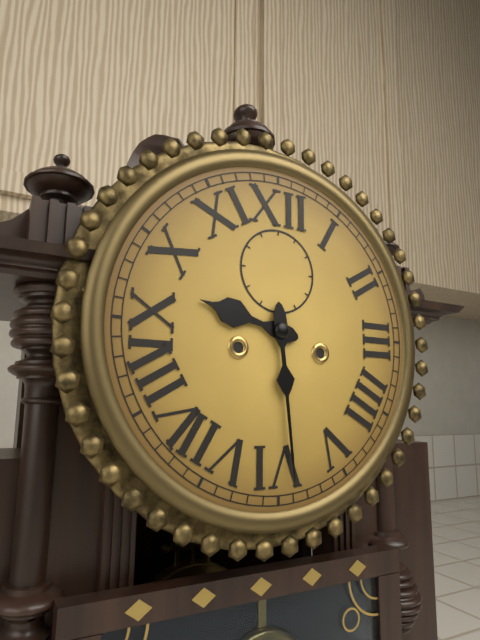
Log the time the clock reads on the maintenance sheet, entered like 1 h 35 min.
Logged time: 9 h 29 min
